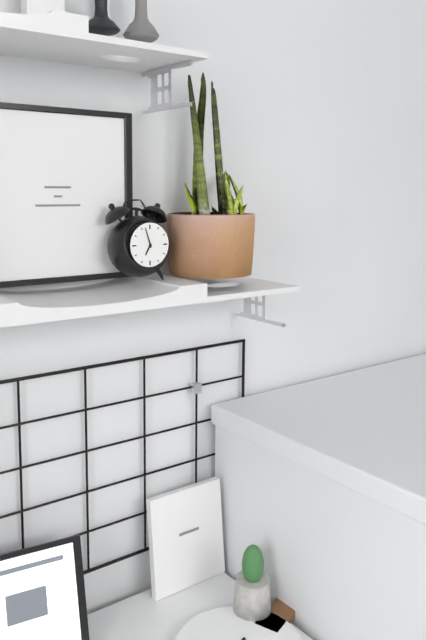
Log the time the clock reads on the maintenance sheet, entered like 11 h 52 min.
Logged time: 6 h 57 min
